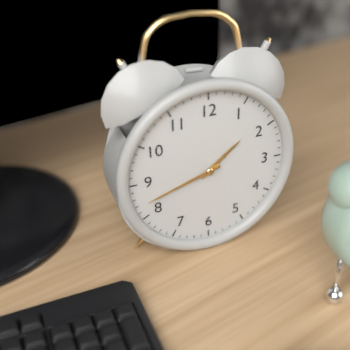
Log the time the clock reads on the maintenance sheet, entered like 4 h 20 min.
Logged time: 1 h 42 min
